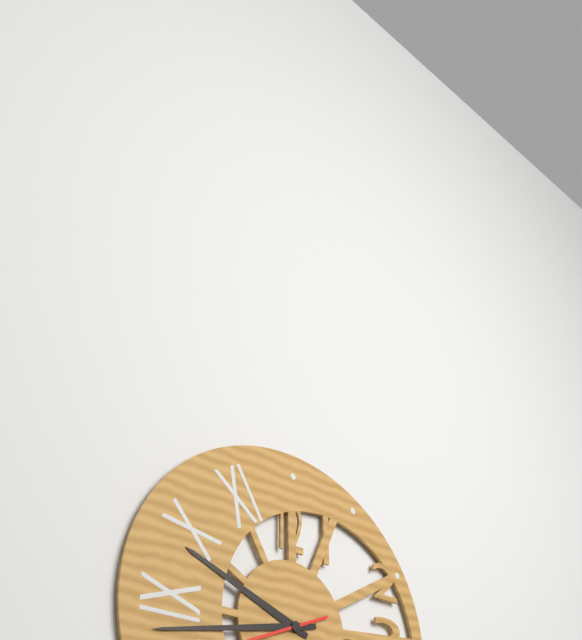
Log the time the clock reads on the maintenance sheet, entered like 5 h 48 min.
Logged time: 9 h 43 min
